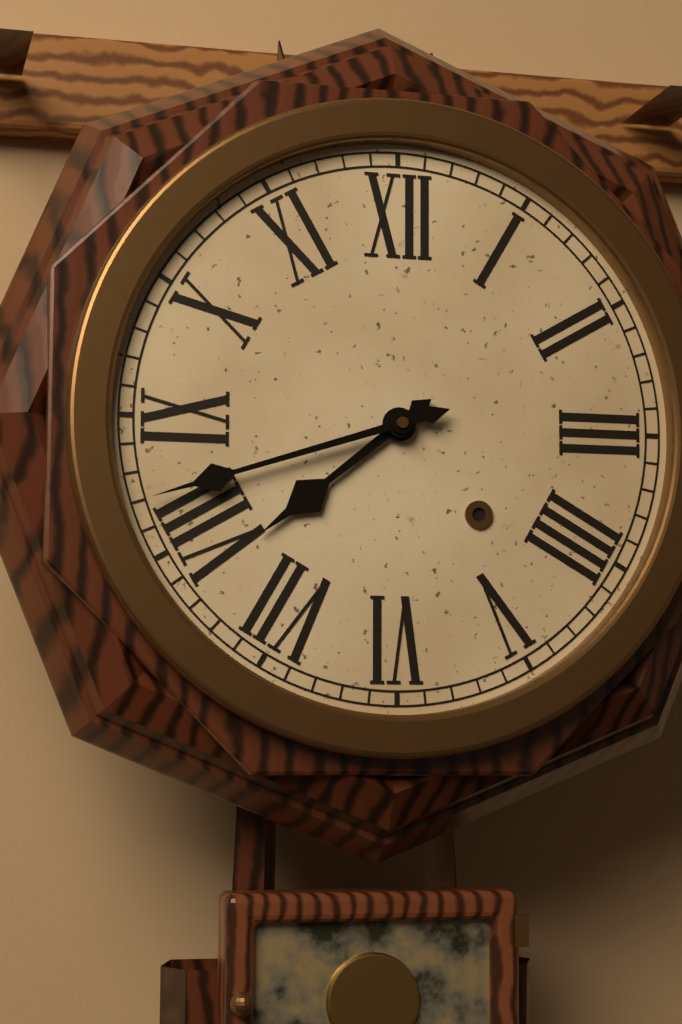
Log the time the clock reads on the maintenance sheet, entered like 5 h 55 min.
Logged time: 7 h 42 min
